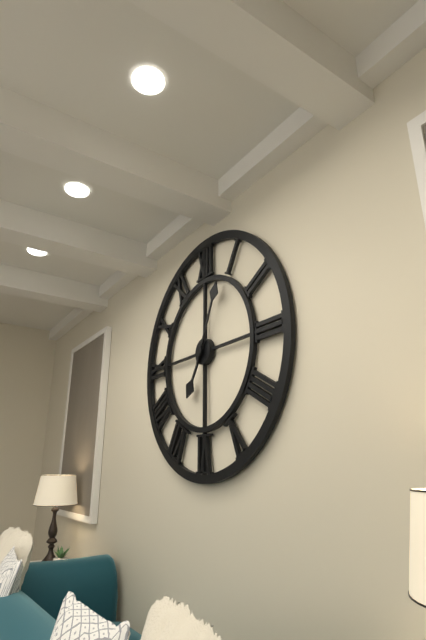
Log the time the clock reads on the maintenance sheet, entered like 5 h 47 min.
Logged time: 7 h 04 min
